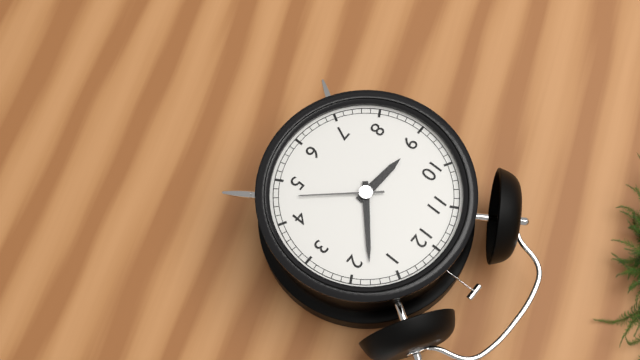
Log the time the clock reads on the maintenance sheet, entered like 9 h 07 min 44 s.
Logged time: 9 h 08 min 23 s
